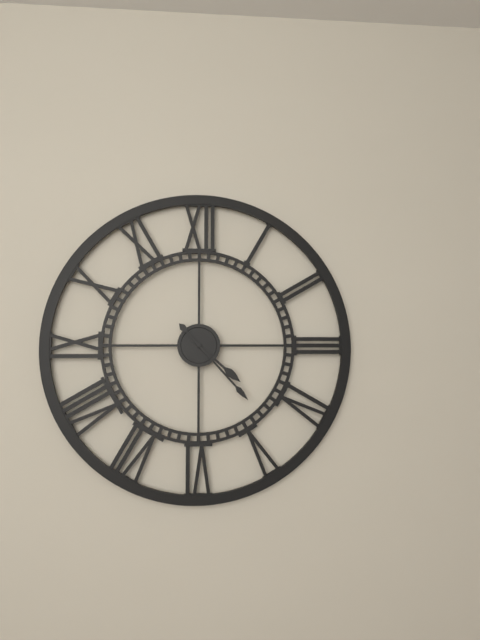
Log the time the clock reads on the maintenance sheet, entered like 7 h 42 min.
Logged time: 4 h 23 min
